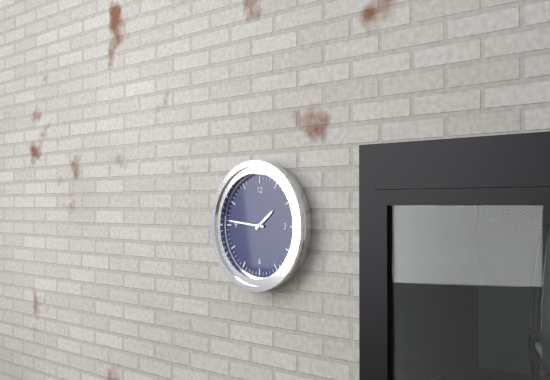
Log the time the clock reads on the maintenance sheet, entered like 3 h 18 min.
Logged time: 1 h 46 min
